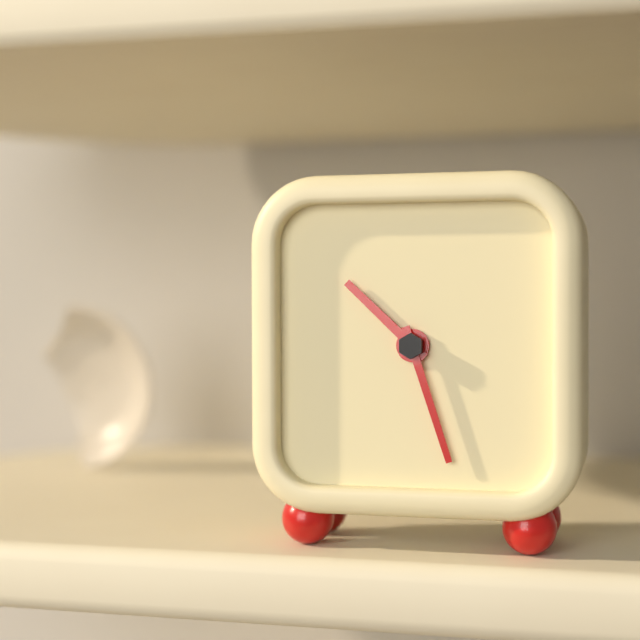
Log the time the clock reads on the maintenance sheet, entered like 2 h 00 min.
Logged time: 10 h 27 min
